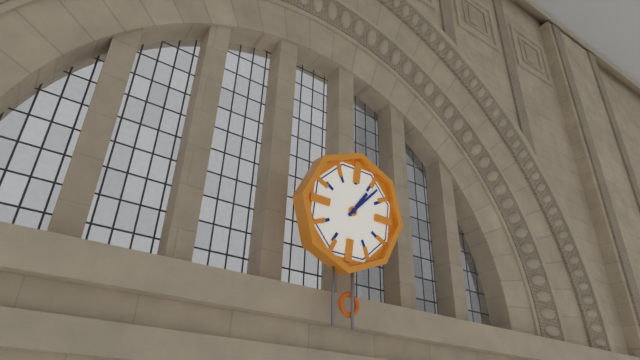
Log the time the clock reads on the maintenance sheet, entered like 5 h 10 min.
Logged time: 1 h 07 min
